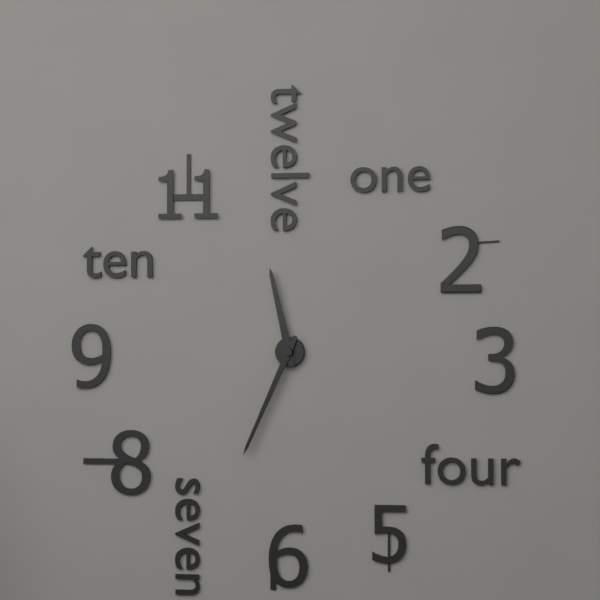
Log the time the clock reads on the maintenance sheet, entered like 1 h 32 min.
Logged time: 11 h 34 min
